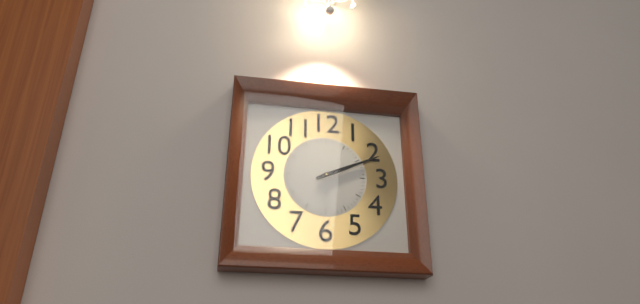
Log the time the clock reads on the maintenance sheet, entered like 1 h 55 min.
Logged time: 2 h 11 min
